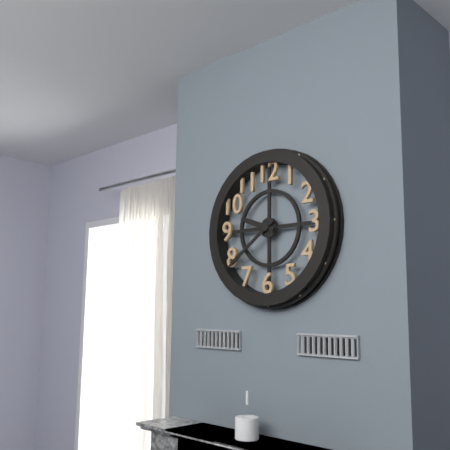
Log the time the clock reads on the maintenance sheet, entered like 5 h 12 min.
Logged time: 9 h 39 min
